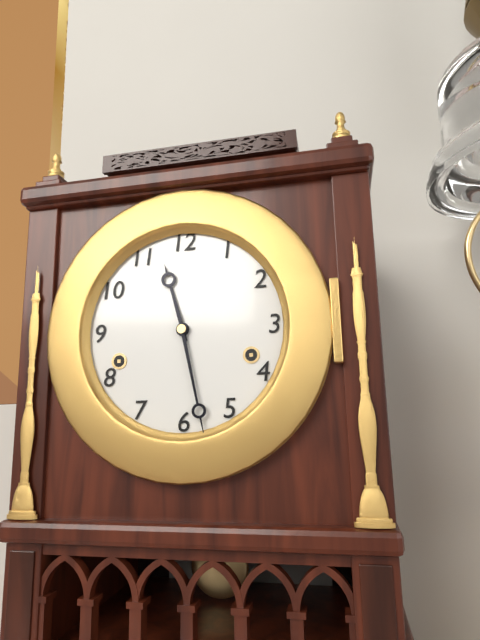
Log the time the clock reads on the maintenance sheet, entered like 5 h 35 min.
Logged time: 11 h 28 min
